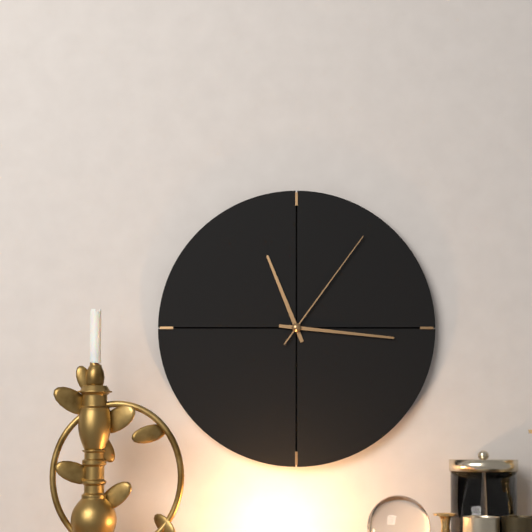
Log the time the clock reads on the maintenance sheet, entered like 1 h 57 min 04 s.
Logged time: 11 h 16 min 06 s
